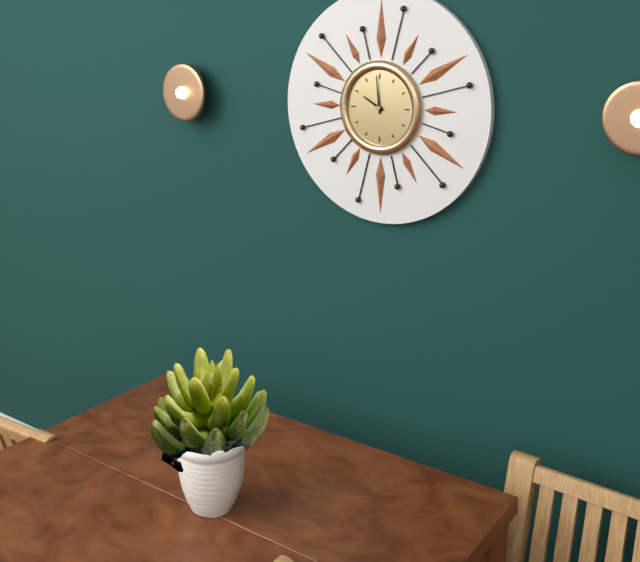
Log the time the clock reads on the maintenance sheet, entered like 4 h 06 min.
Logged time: 9 h 59 min
